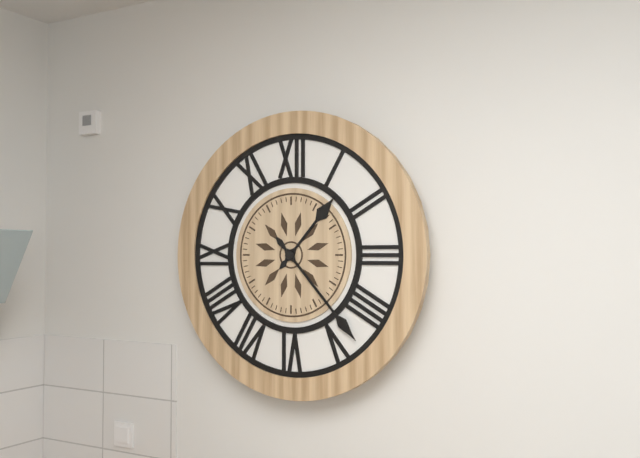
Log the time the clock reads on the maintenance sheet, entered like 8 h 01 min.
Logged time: 1 h 23 min
